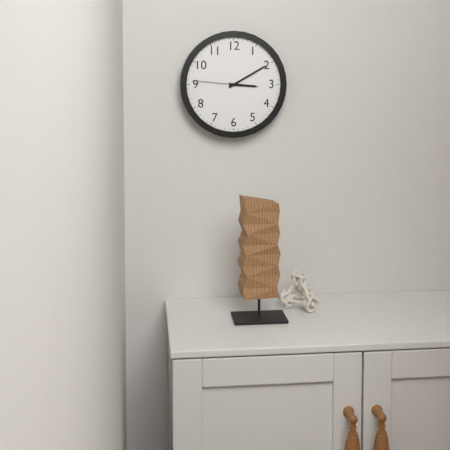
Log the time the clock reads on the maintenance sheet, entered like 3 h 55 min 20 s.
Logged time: 3 h 10 min 46 s
